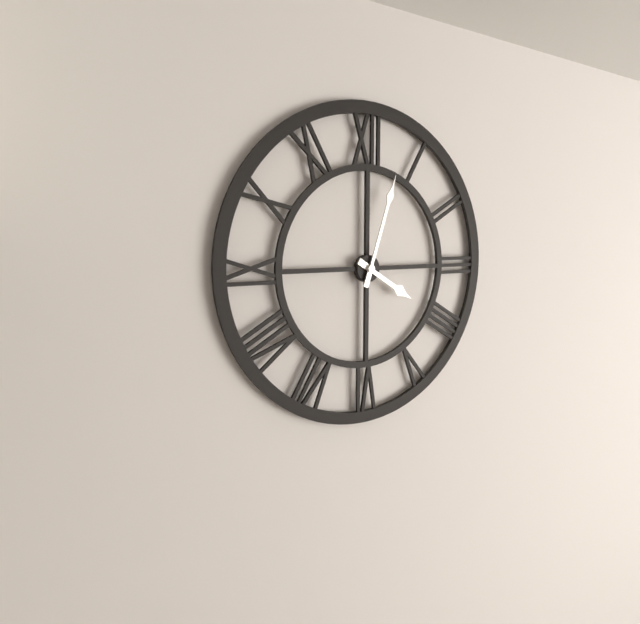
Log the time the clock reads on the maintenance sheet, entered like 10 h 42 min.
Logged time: 4 h 03 min
